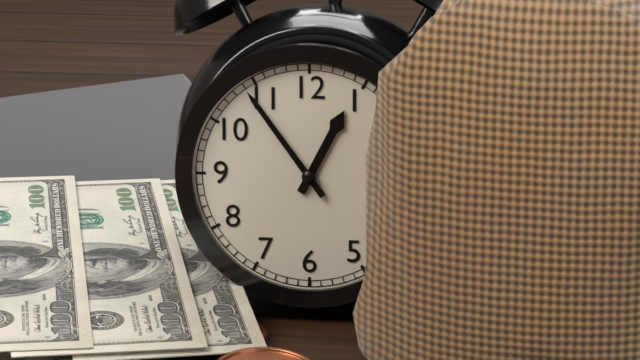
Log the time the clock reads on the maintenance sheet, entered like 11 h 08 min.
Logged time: 12 h 54 min
